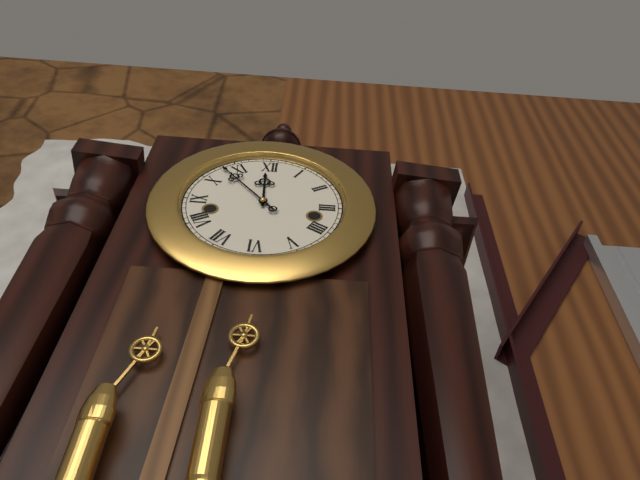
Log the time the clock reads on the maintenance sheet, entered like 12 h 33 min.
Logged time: 11 h 53 min
